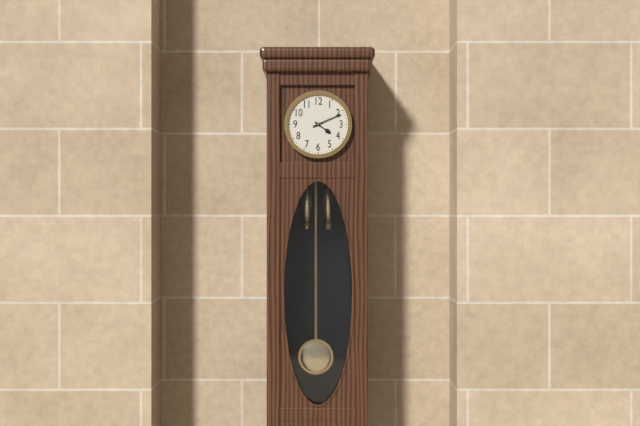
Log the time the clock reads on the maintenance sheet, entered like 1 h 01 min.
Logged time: 4 h 11 min
